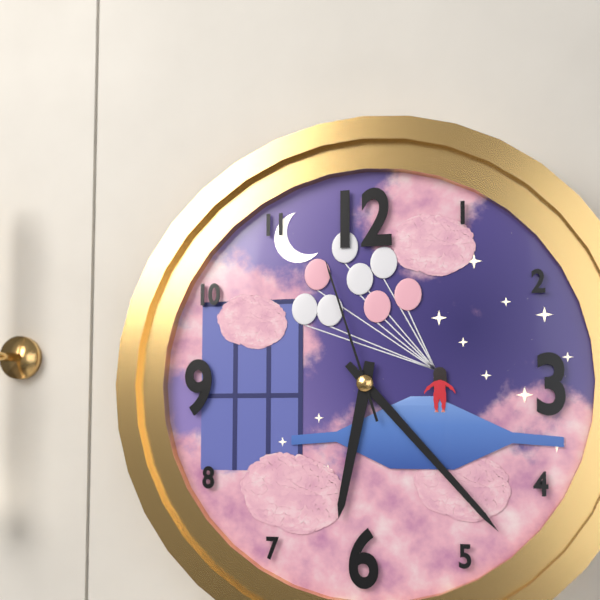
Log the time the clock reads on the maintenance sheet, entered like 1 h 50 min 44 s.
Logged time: 6 h 23 min 57 s
